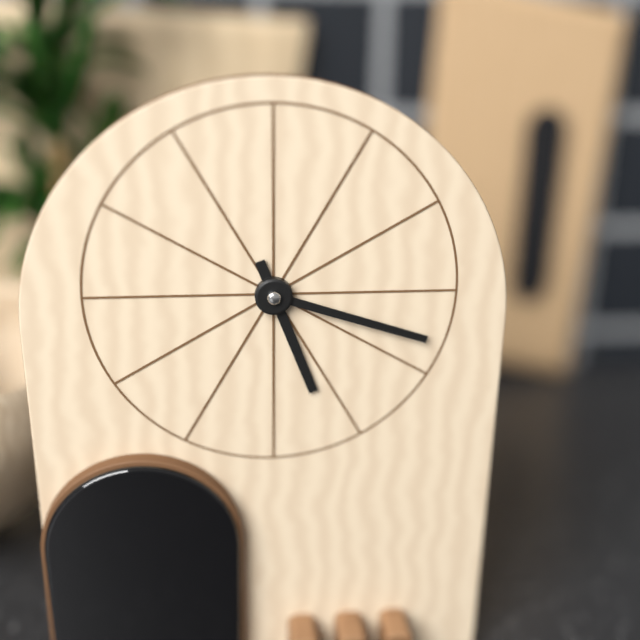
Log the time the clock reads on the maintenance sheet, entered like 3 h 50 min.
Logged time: 5 h 18 min
